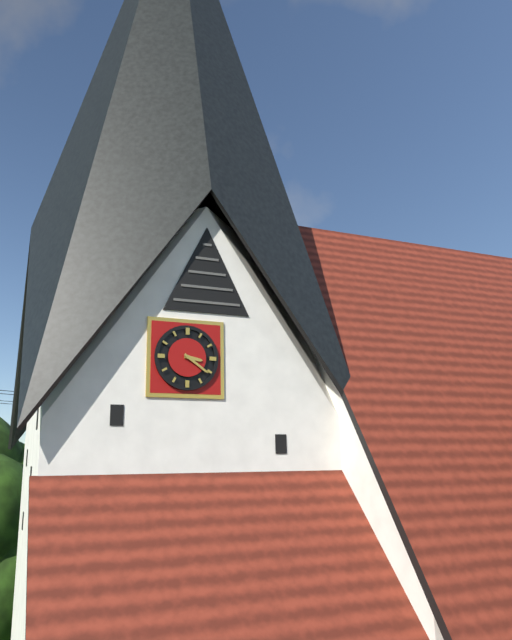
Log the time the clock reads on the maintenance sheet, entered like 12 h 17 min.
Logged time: 3 h 21 min
